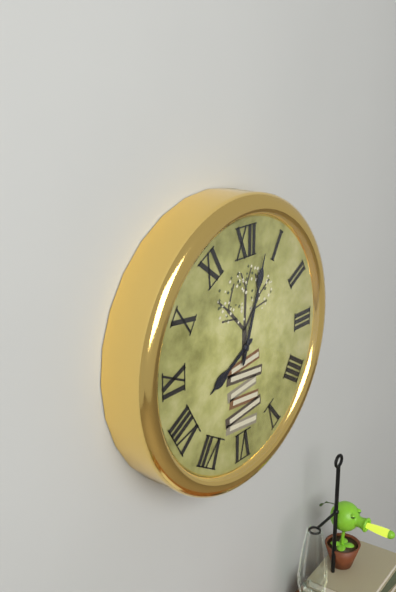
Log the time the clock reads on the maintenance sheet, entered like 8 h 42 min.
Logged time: 8 h 03 min
